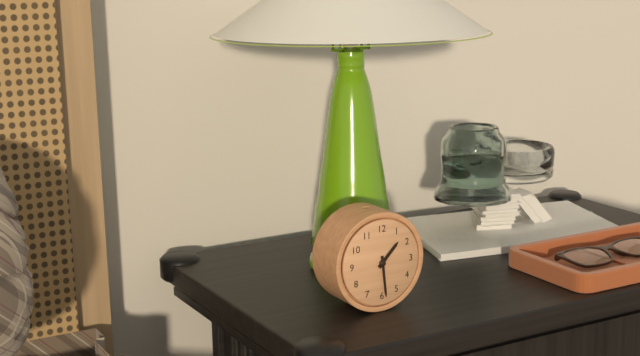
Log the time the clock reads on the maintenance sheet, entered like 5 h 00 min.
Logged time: 1 h 29 min
